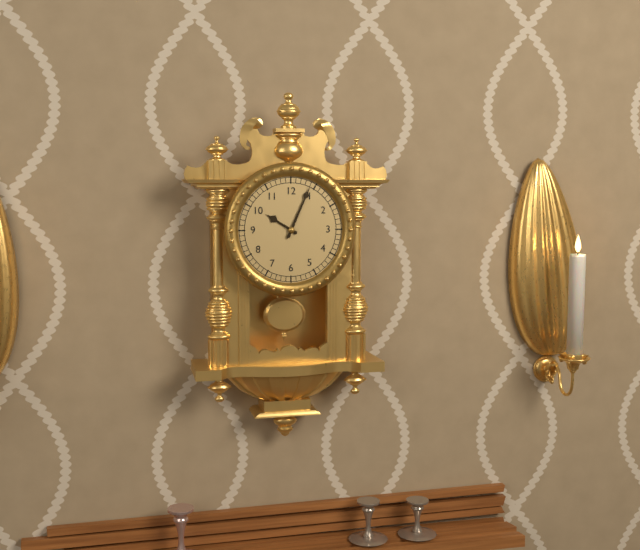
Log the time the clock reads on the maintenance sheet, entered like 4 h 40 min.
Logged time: 10 h 04 min
